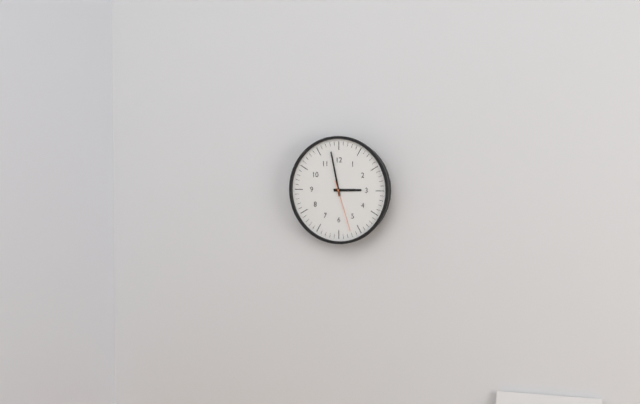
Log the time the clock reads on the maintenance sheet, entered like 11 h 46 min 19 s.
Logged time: 2 h 58 min 27 s
